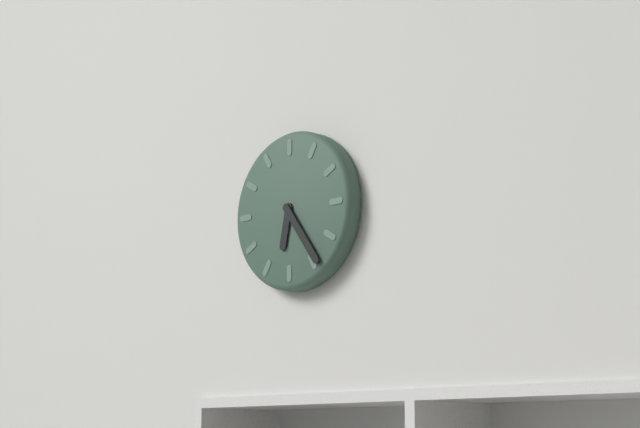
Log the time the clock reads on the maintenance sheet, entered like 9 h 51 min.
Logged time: 6 h 24 min
